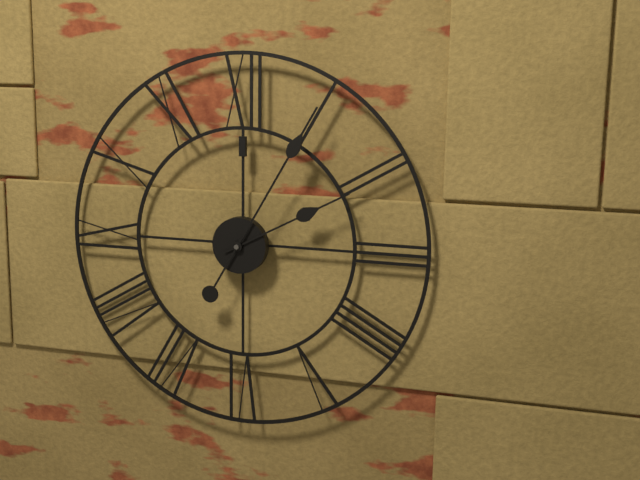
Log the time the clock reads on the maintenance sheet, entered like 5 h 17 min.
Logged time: 2 h 05 min
